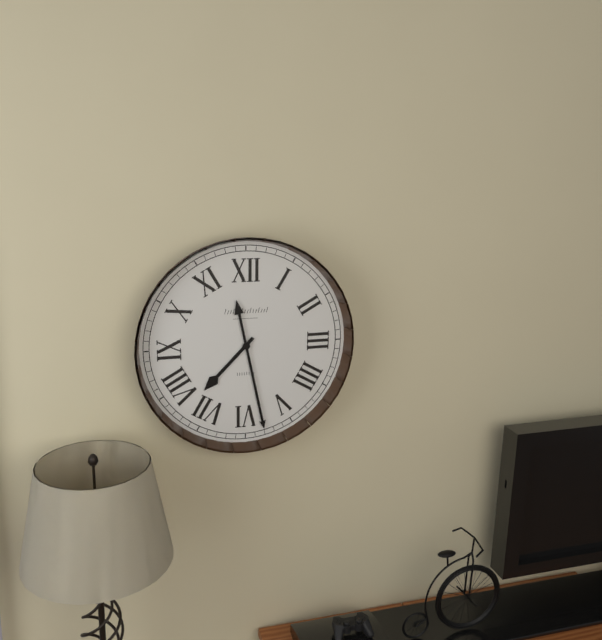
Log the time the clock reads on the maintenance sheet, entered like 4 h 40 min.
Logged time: 7 h 28 min
